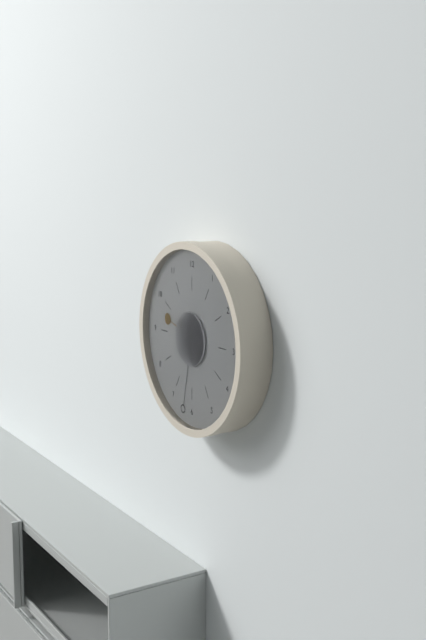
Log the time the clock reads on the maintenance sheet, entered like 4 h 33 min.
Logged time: 9 h 32 min
